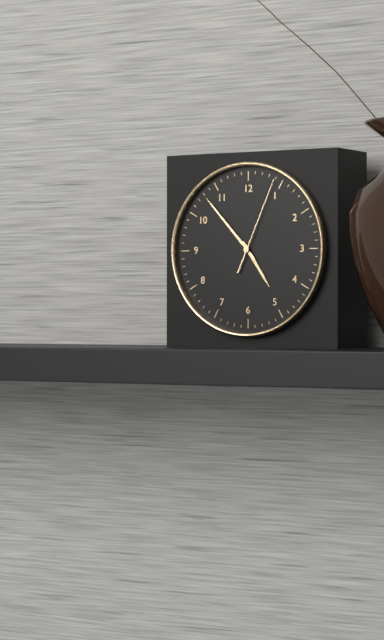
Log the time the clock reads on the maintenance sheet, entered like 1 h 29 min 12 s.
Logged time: 4 h 53 min 04 s
